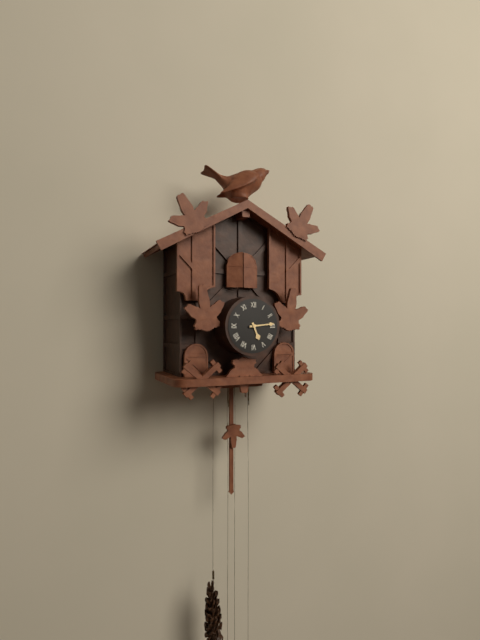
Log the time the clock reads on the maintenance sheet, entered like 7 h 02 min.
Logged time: 5 h 14 min
